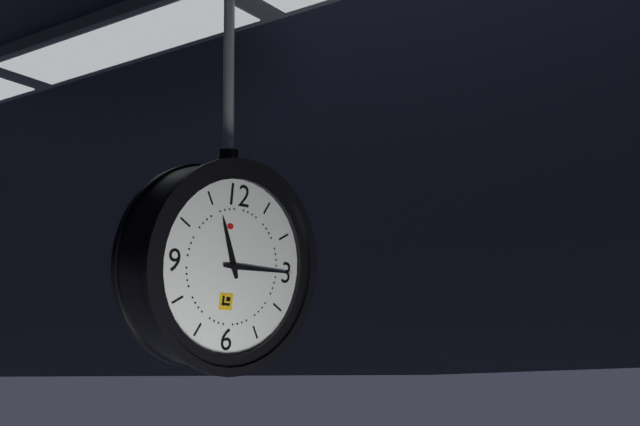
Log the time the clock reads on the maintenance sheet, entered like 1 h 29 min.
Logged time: 11 h 15 min
